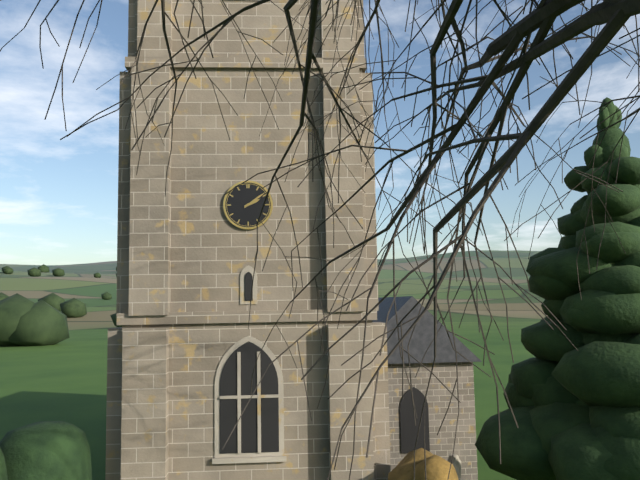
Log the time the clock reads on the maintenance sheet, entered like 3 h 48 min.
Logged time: 2 h 09 min
